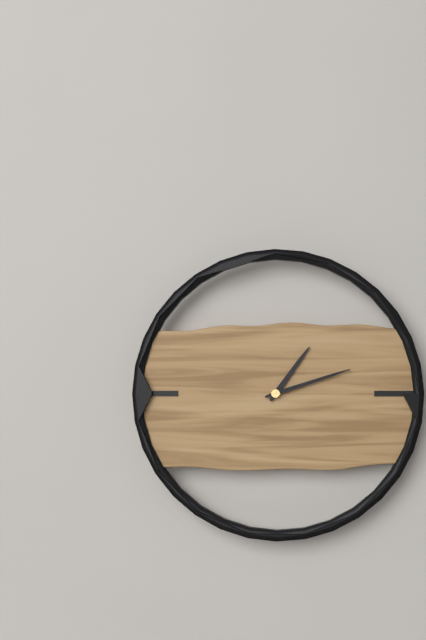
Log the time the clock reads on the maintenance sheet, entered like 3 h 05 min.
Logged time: 1 h 12 min
